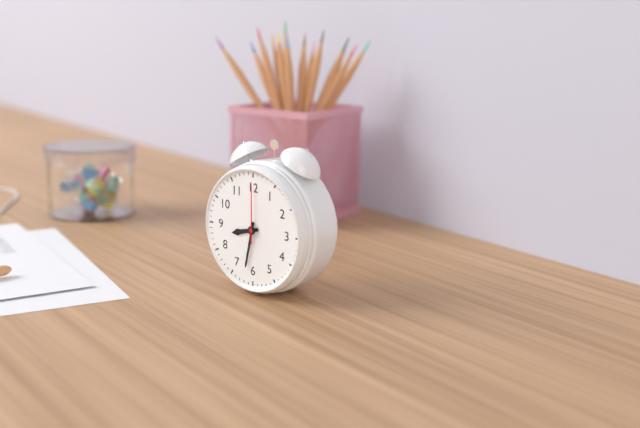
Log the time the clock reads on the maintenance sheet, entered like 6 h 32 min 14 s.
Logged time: 8 h 32 min 00 s
